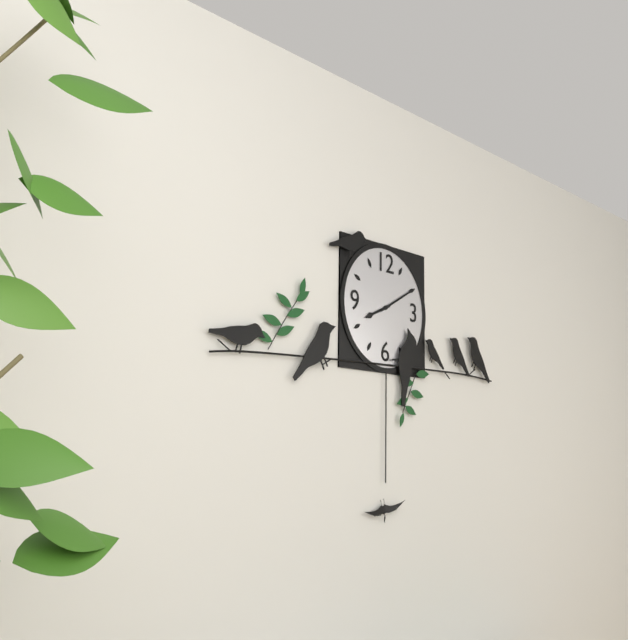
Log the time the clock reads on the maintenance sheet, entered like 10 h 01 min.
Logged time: 8 h 10 min
